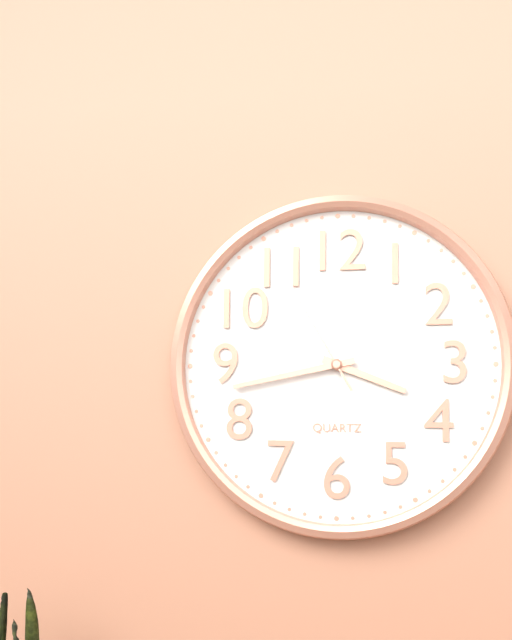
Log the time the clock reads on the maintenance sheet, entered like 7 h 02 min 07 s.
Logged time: 3 h 43 min 55 s
